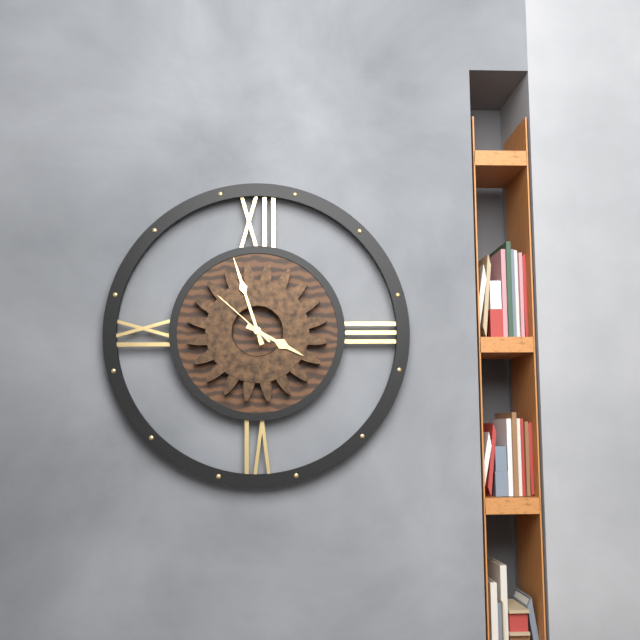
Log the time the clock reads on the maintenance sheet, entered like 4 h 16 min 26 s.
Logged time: 3 h 57 min 52 s
